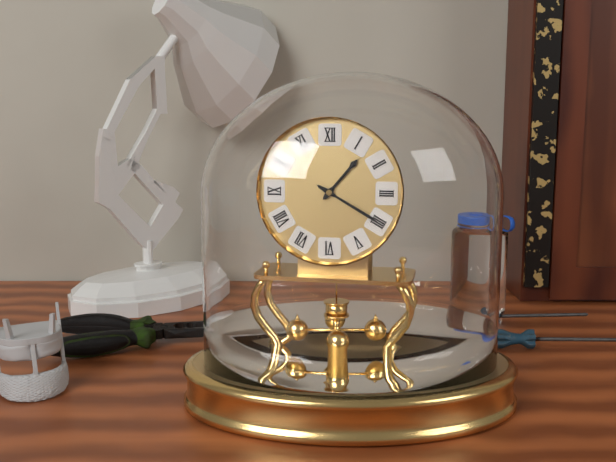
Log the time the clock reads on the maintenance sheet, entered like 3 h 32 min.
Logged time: 1 h 20 min
